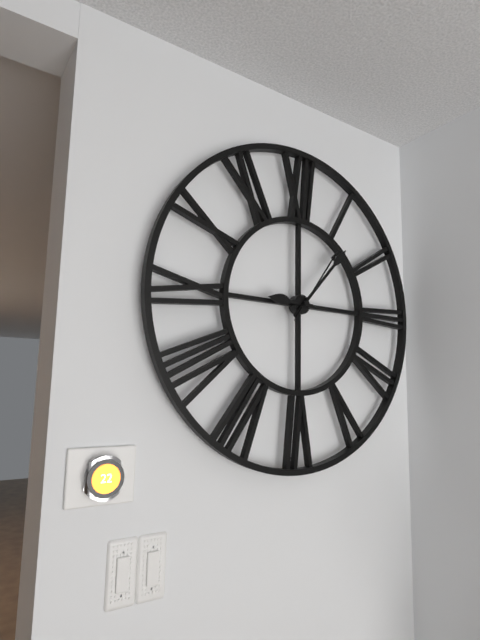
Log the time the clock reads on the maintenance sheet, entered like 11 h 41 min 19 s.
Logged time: 9 h 07 min 06 s
